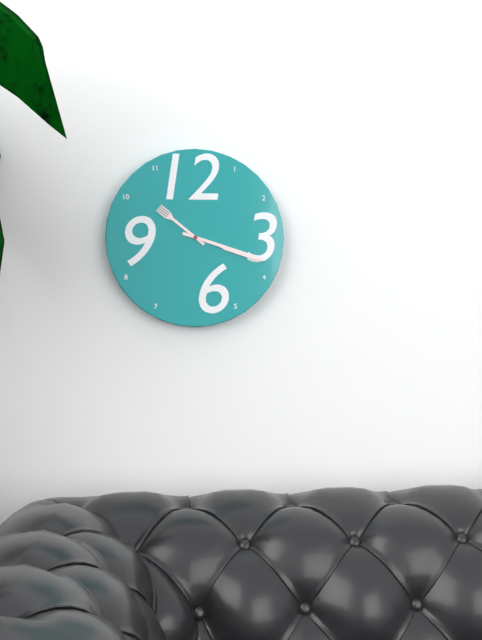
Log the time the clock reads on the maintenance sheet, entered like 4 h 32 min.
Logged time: 10 h 18 min
